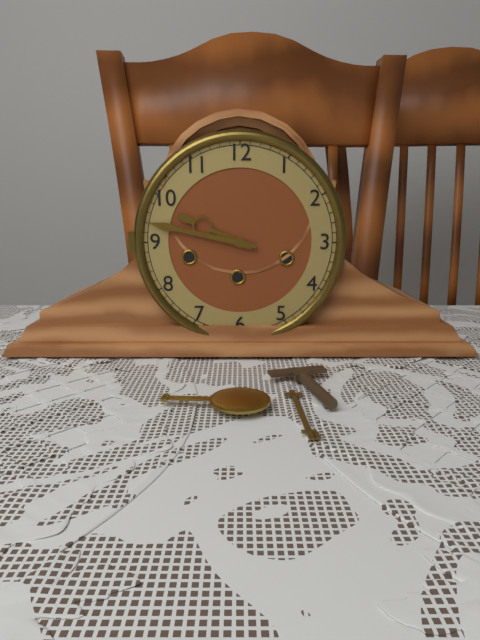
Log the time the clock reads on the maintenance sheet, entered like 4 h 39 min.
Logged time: 9 h 47 min
